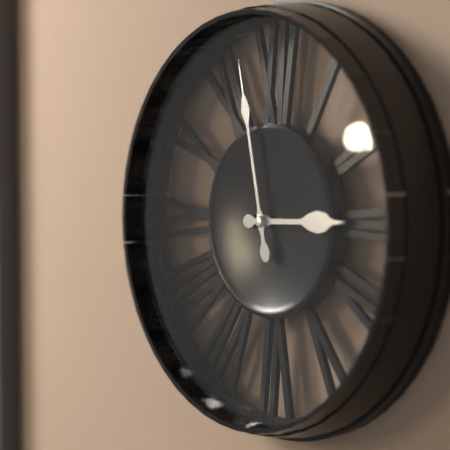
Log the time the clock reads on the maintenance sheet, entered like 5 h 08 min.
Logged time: 2 h 58 min
